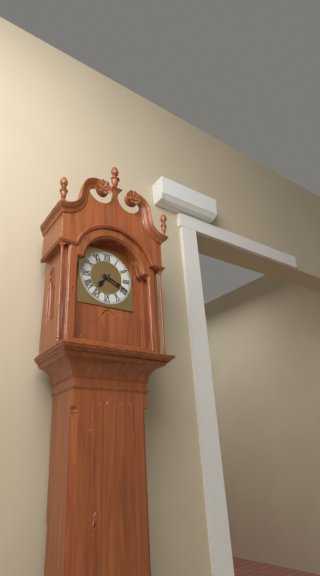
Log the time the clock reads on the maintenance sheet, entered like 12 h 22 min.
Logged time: 7 h 19 min
